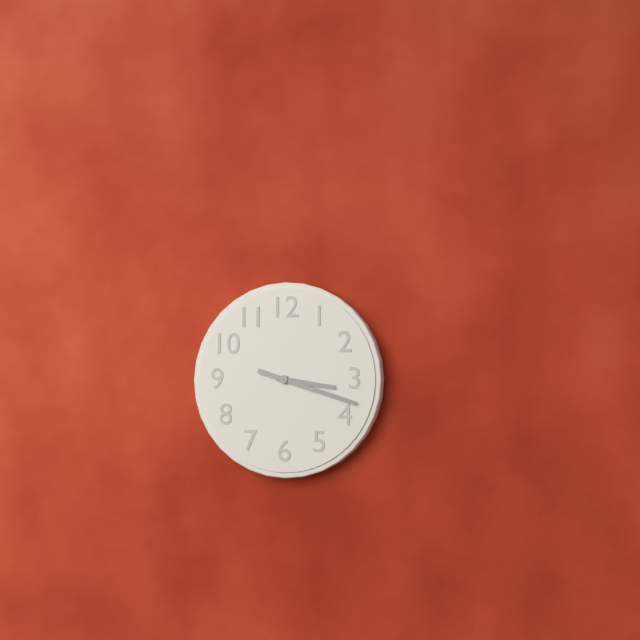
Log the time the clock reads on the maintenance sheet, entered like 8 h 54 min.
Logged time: 3 h 18 min
